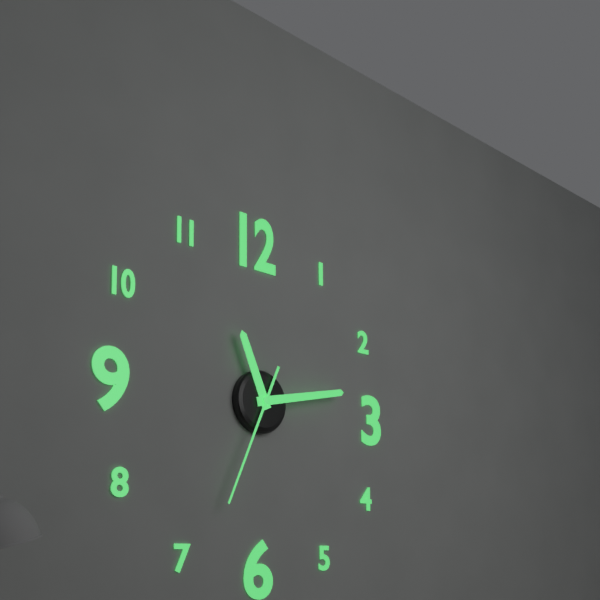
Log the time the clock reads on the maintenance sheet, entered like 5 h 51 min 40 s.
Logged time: 11 h 13 min 34 s
